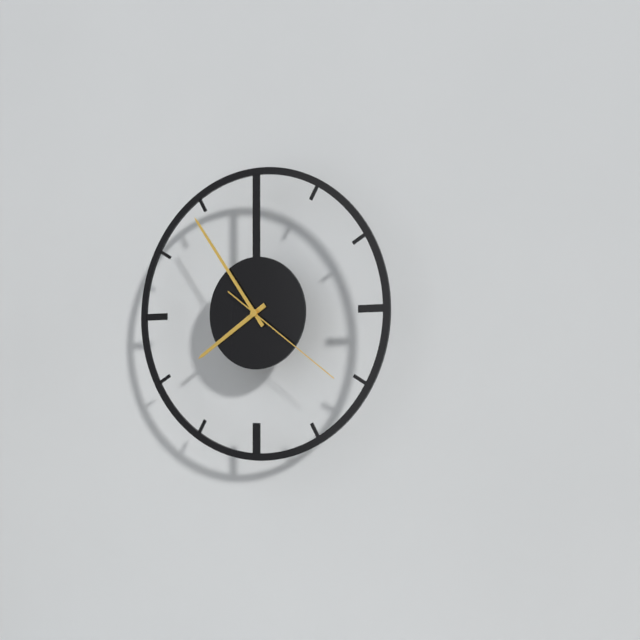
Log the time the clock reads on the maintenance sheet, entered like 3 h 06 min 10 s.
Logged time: 7 h 54 min 21 s
